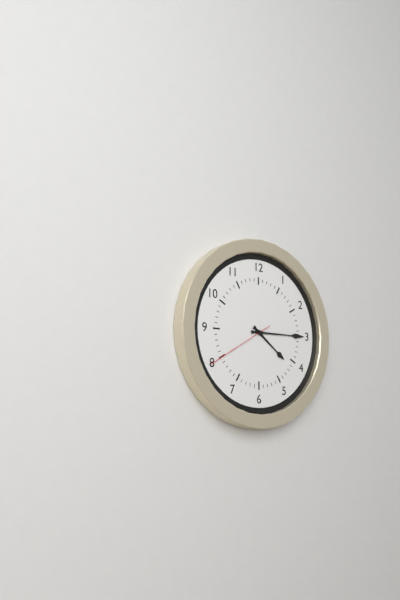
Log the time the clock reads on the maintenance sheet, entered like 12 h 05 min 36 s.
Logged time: 4 h 15 min 40 s
